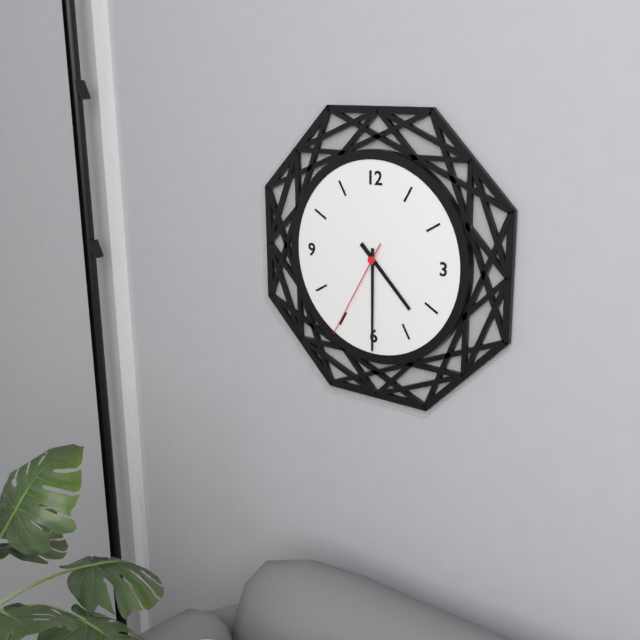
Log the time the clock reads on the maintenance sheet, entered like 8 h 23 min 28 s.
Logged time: 4 h 30 min 35 s
